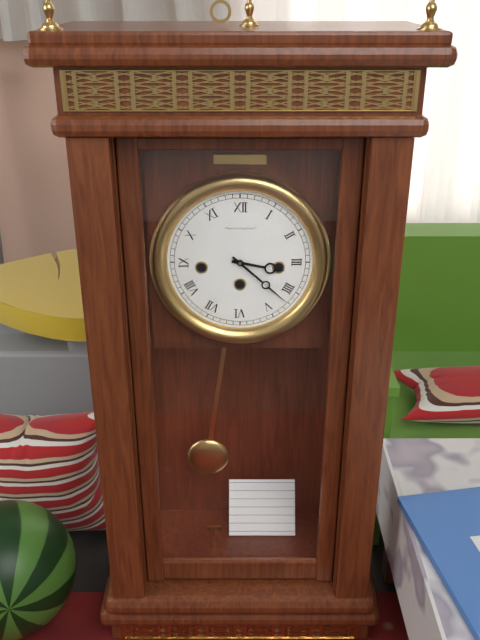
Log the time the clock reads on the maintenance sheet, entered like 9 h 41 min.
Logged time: 3 h 22 min
